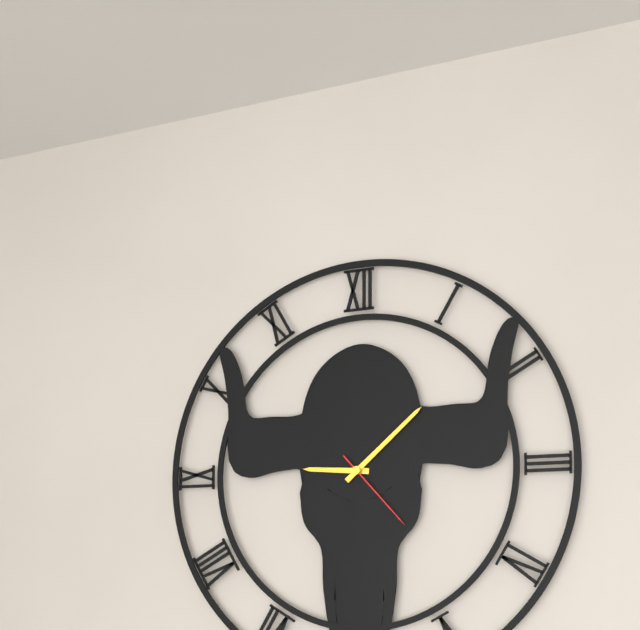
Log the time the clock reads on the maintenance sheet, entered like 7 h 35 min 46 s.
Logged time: 9 h 08 min 23 s
